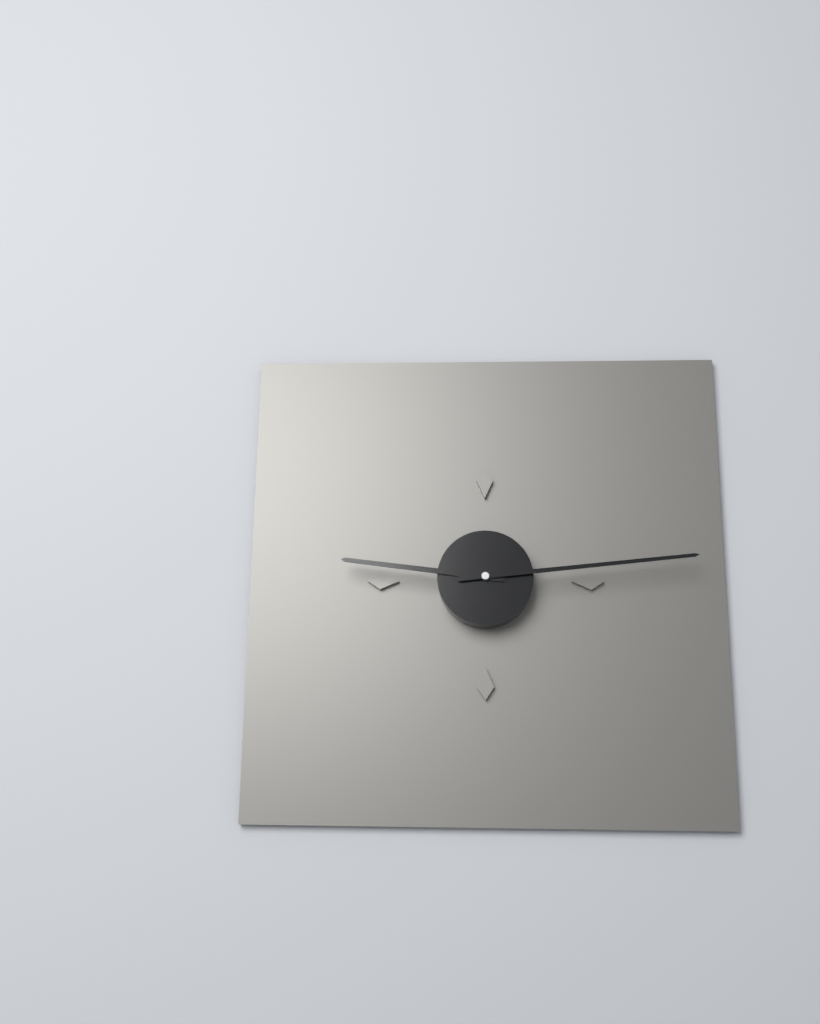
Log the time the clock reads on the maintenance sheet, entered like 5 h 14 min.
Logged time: 9 h 14 min
